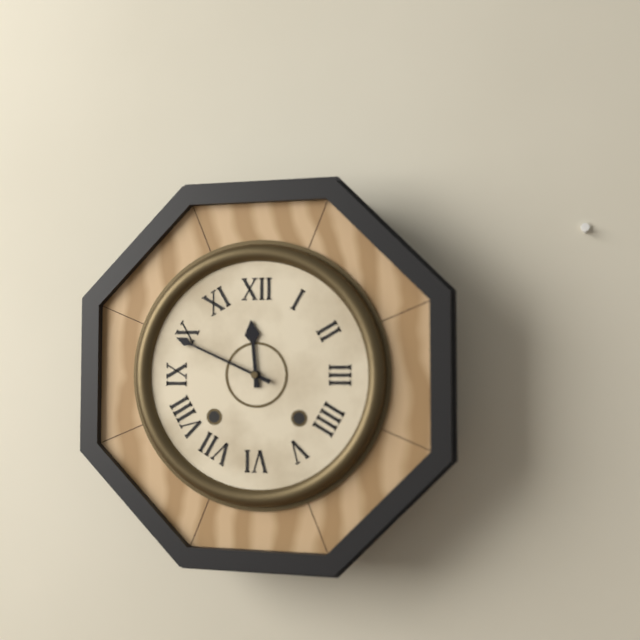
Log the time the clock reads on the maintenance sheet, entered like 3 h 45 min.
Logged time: 11 h 49 min
